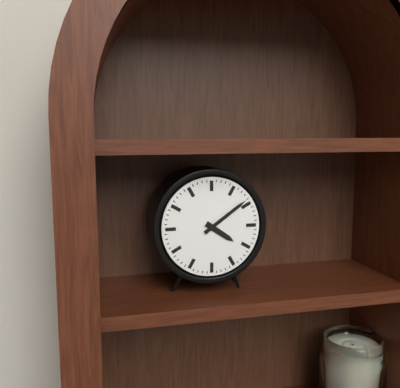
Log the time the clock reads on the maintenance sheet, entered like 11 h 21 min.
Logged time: 4 h 09 min
